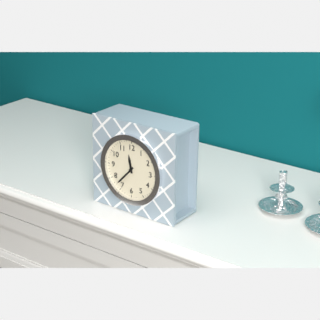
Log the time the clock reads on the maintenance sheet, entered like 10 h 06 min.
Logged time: 11 h 37 min
